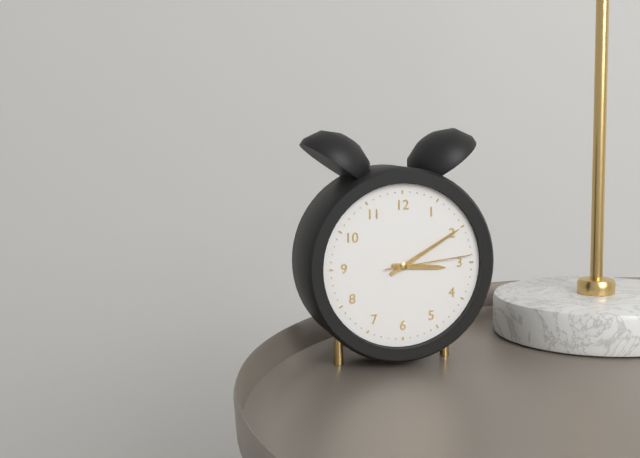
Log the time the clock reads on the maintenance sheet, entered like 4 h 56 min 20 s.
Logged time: 3 h 10 min 14 s
